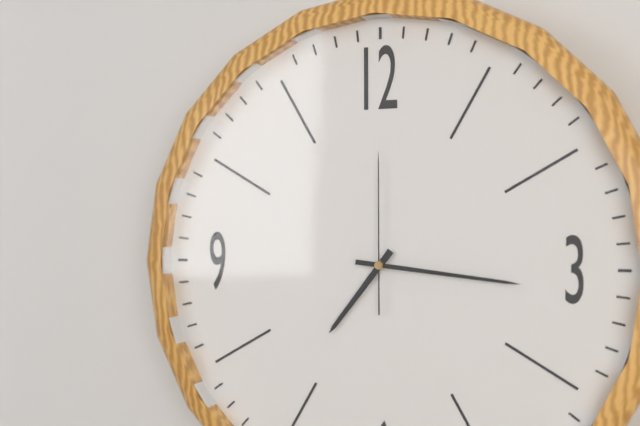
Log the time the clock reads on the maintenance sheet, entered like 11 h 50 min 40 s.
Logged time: 7 h 16 min 00 s
